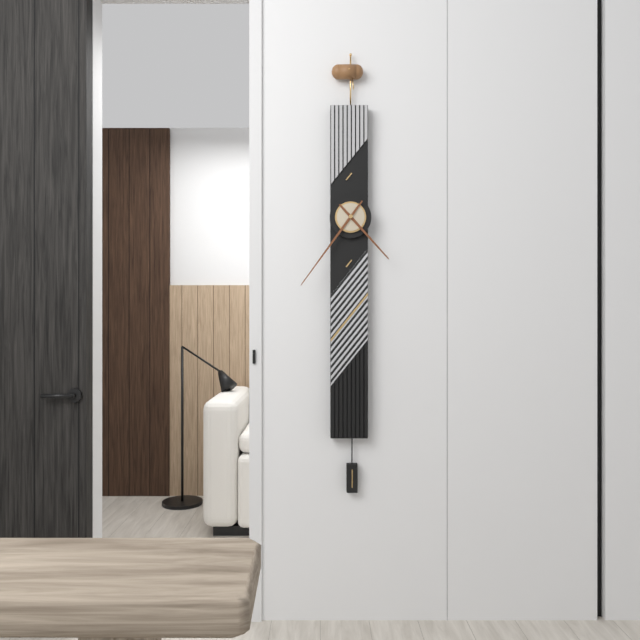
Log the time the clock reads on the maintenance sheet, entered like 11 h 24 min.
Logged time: 4 h 36 min
